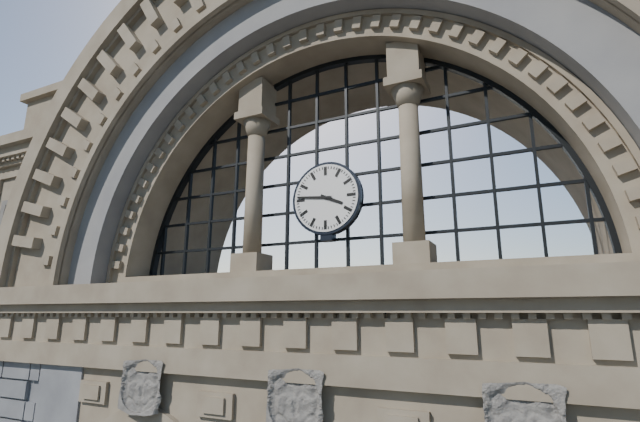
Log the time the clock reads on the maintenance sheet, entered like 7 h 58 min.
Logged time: 3 h 46 min
